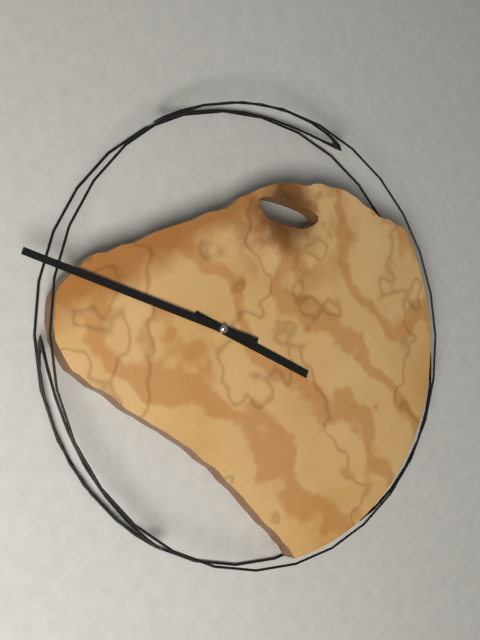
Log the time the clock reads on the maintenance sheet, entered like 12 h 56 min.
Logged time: 3 h 48 min
